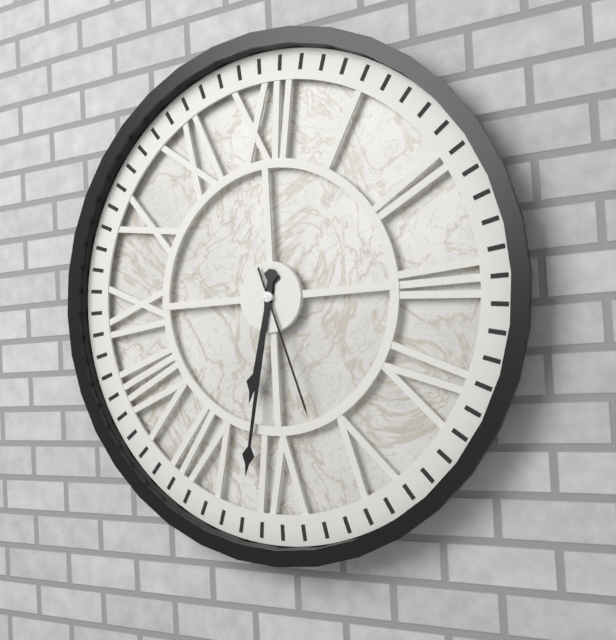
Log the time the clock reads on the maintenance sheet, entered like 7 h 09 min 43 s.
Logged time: 6 h 32 min 27 s
